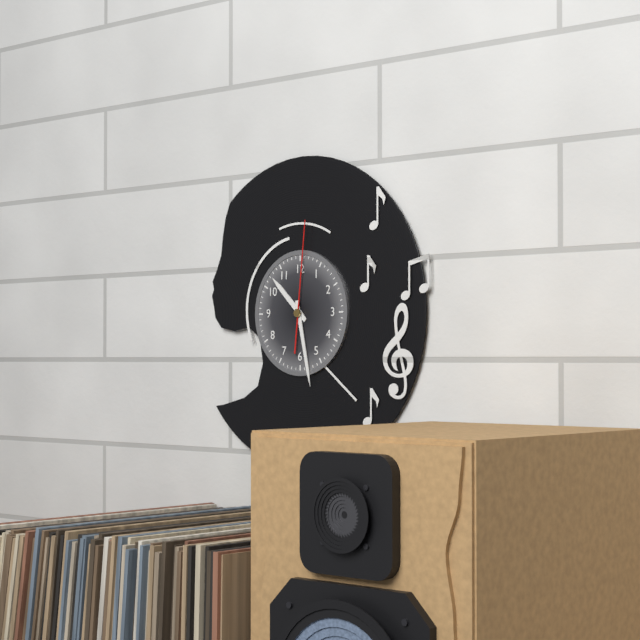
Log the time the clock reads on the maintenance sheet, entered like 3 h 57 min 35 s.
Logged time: 10 h 28 min 01 s
